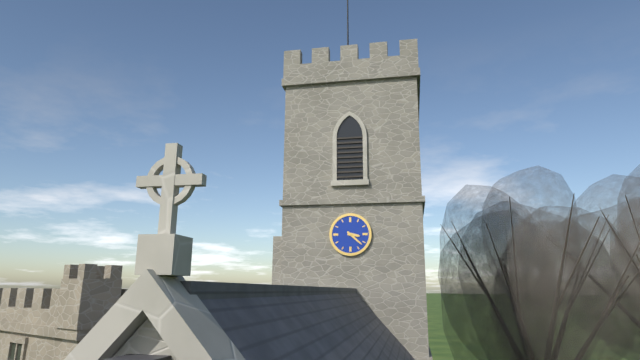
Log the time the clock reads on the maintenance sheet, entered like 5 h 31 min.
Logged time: 3 h 22 min
